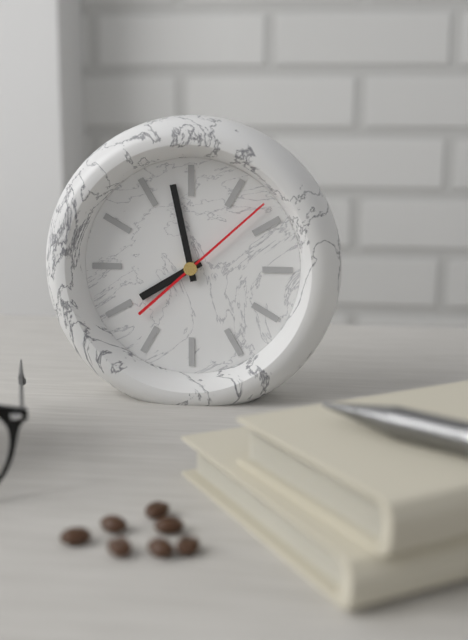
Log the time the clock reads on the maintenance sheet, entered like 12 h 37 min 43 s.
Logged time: 7 h 58 min 08 s
